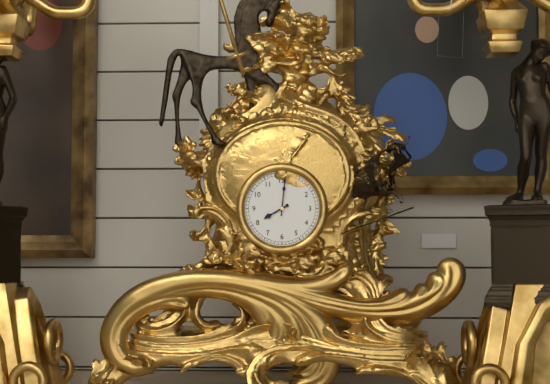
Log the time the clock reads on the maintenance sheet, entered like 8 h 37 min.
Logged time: 8 h 01 min
